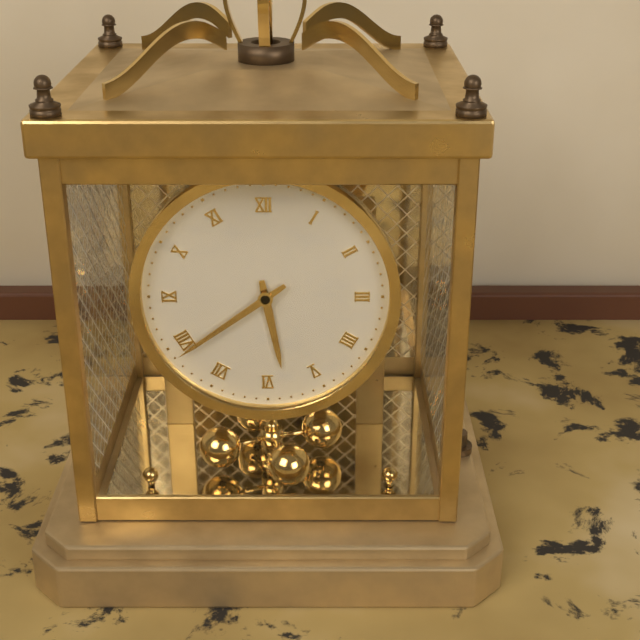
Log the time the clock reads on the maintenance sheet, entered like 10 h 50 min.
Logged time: 5 h 39 min
